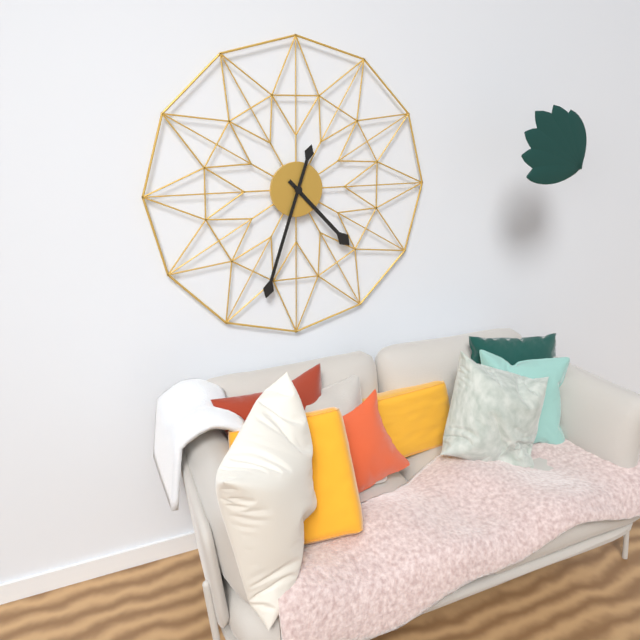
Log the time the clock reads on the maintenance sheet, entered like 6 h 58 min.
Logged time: 4 h 33 min
